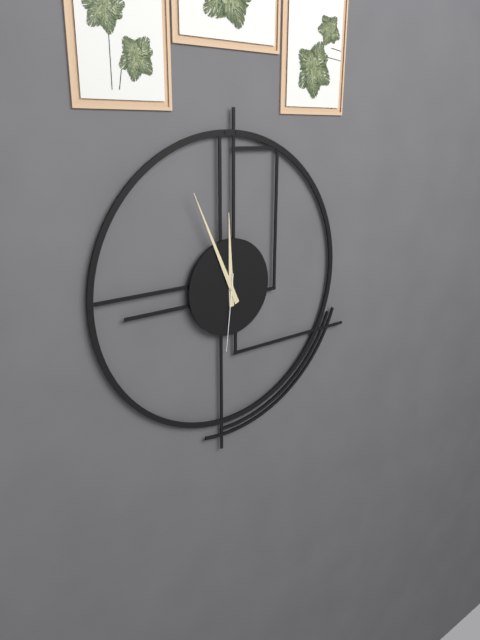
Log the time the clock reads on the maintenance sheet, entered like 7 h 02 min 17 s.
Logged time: 11 h 56 min 31 s
